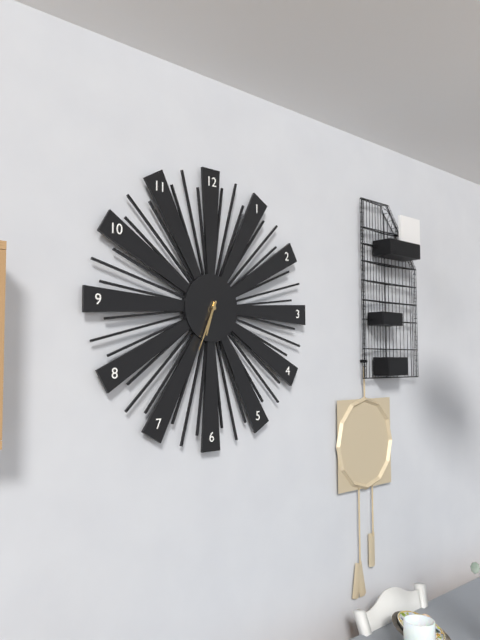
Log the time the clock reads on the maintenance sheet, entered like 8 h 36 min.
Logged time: 6 h 34 min
